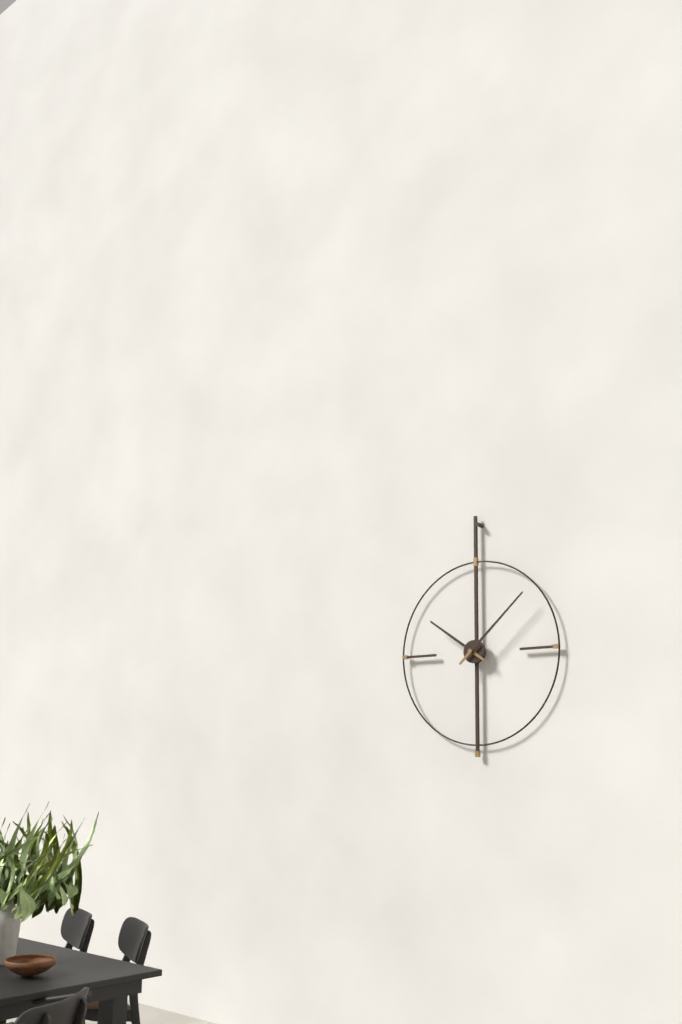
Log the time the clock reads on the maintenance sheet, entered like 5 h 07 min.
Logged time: 10 h 08 min
